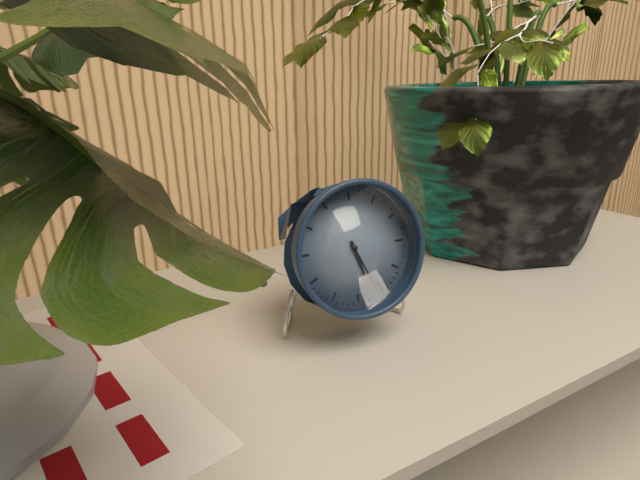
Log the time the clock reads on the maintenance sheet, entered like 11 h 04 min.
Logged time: 5 h 26 min
